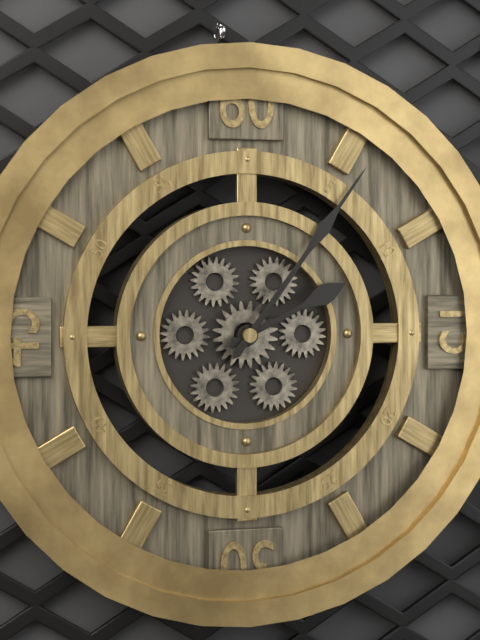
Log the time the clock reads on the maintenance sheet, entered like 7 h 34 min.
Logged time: 2 h 06 min
